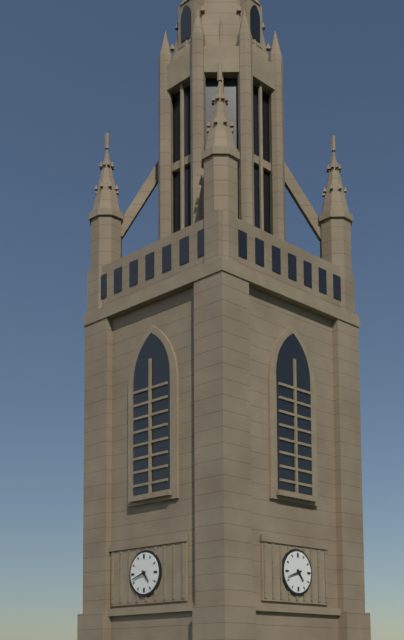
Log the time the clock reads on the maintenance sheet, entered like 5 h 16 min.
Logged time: 4 h 42 min
